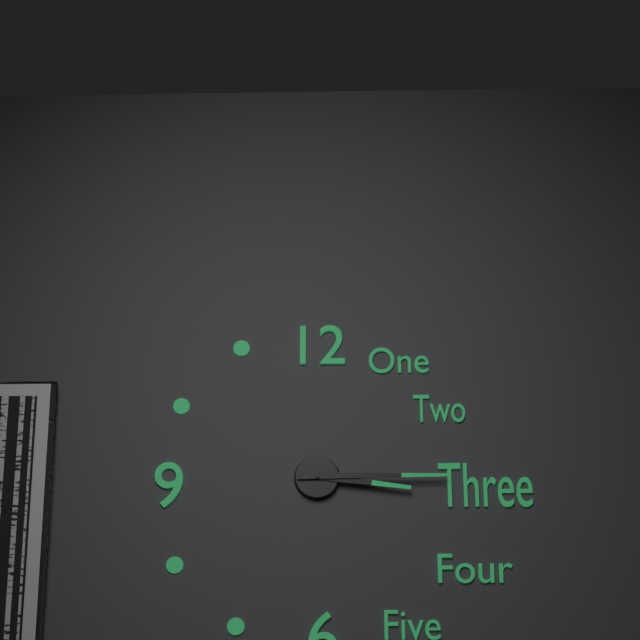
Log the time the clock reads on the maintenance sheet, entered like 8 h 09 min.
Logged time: 3 h 15 min
